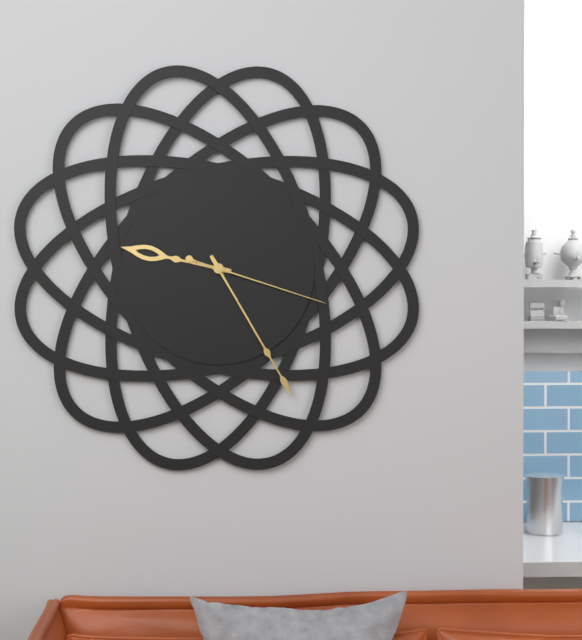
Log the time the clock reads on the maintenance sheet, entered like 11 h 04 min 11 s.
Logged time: 9 h 25 min 18 s
